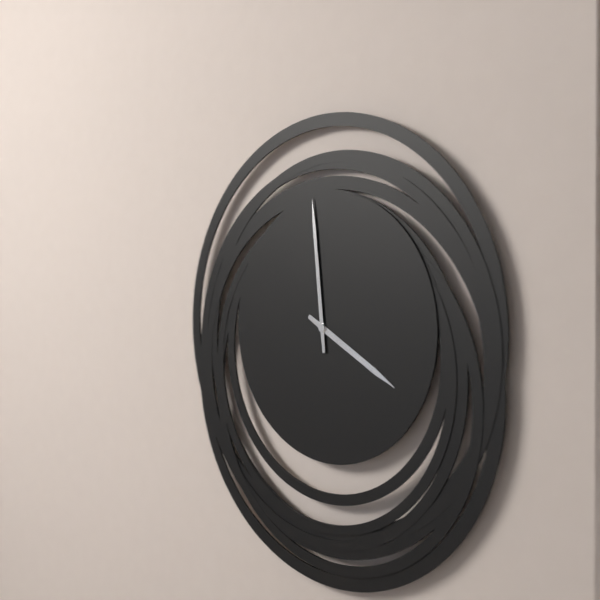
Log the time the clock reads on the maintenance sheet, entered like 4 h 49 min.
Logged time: 3 h 59 min
